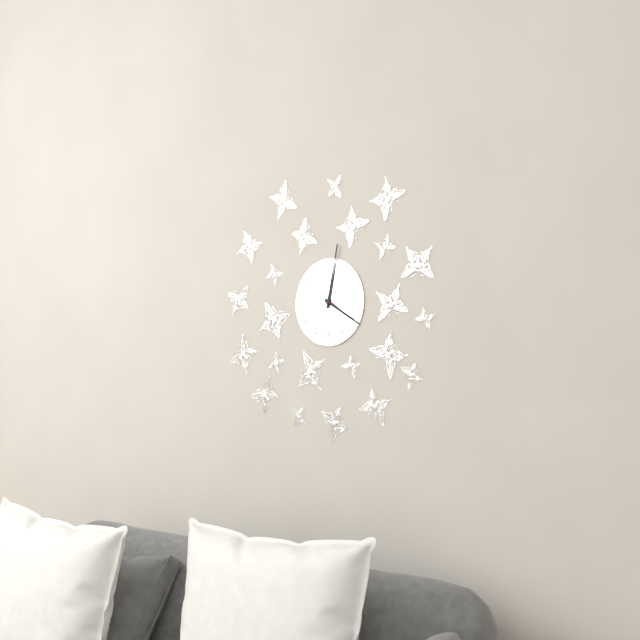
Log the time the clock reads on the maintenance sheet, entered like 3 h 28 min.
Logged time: 4 h 02 min
